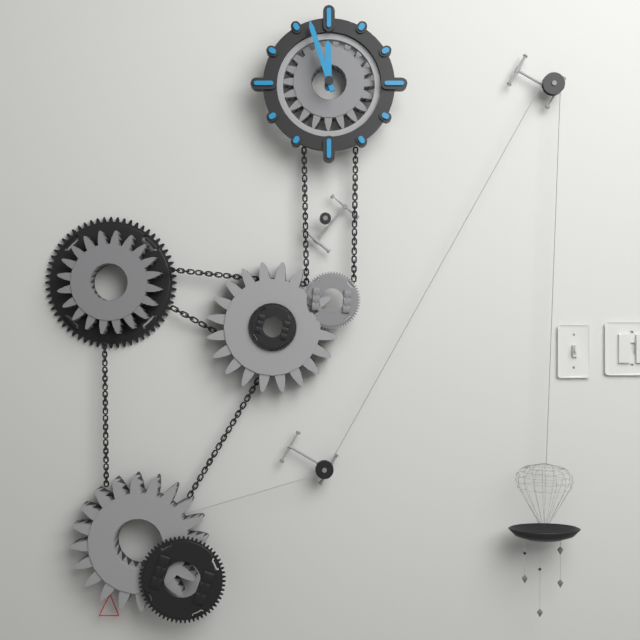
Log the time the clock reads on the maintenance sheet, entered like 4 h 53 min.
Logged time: 11 h 57 min
